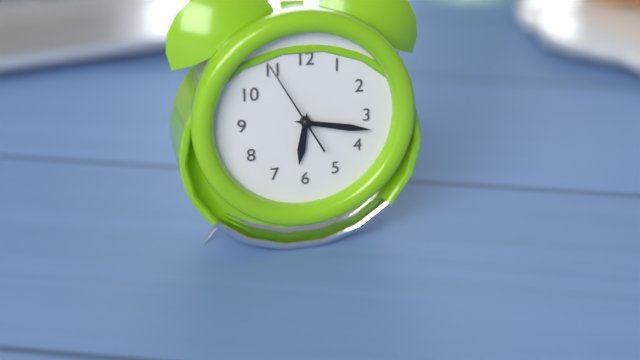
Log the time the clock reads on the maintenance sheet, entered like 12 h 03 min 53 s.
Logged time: 6 h 17 min 55 s
